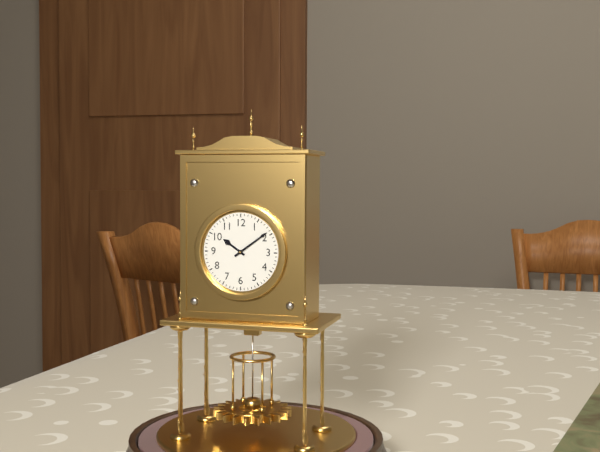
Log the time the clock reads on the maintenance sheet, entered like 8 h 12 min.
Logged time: 10 h 09 min
